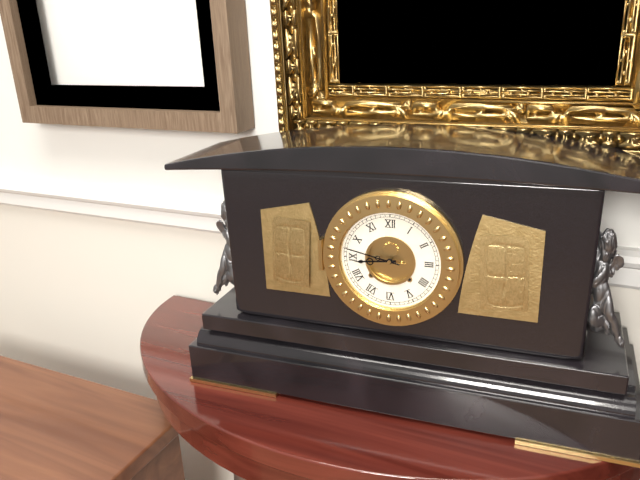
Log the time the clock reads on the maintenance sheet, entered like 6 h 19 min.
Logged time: 8 h 47 min
